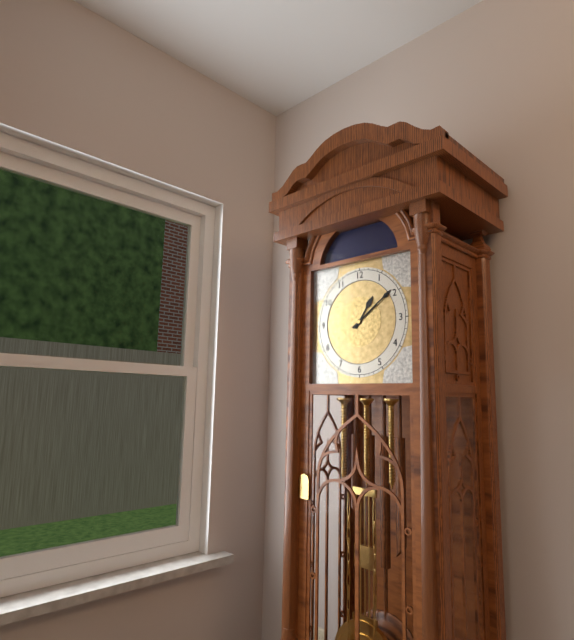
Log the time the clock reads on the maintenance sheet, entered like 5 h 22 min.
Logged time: 1 h 09 min
